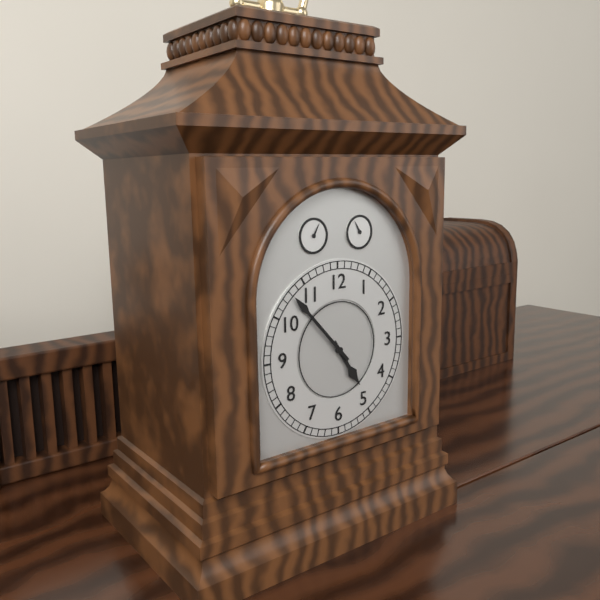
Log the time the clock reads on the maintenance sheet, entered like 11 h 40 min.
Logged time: 4 h 53 min
